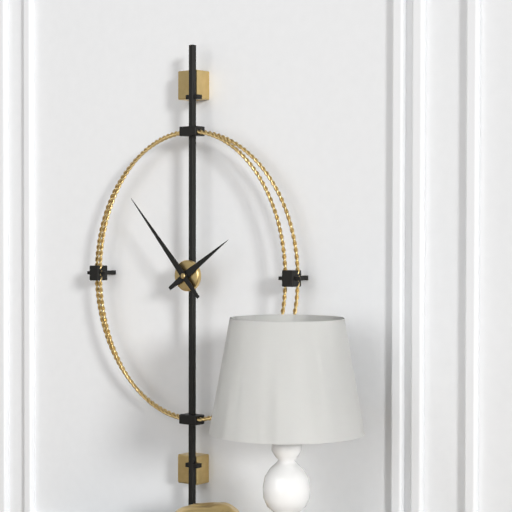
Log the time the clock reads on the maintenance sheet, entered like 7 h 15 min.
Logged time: 1 h 53 min
